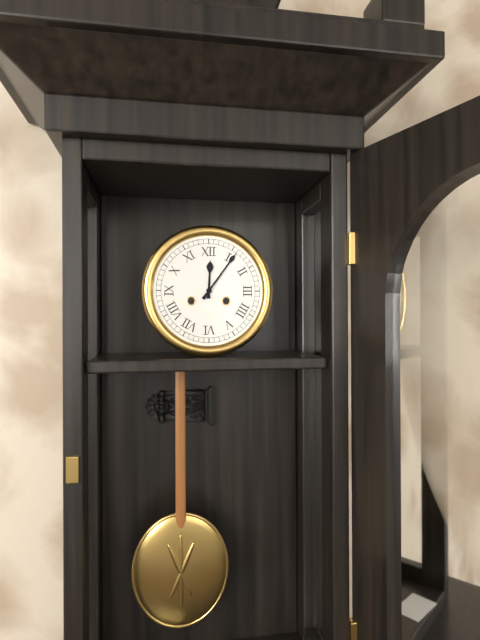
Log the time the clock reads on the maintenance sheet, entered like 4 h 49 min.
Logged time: 12 h 06 min
